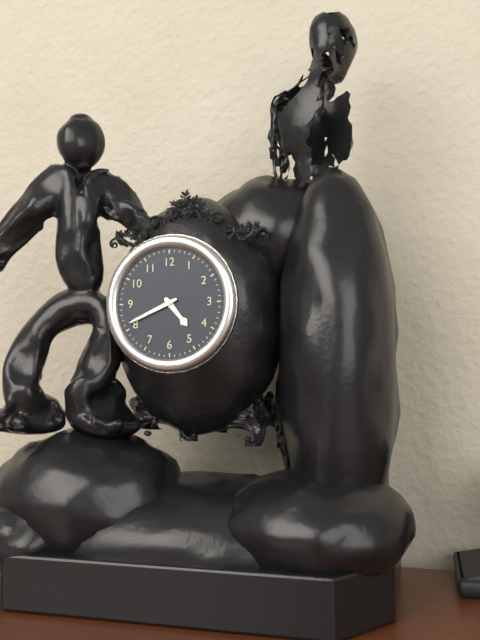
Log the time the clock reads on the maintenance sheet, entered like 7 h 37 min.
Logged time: 4 h 41 min
